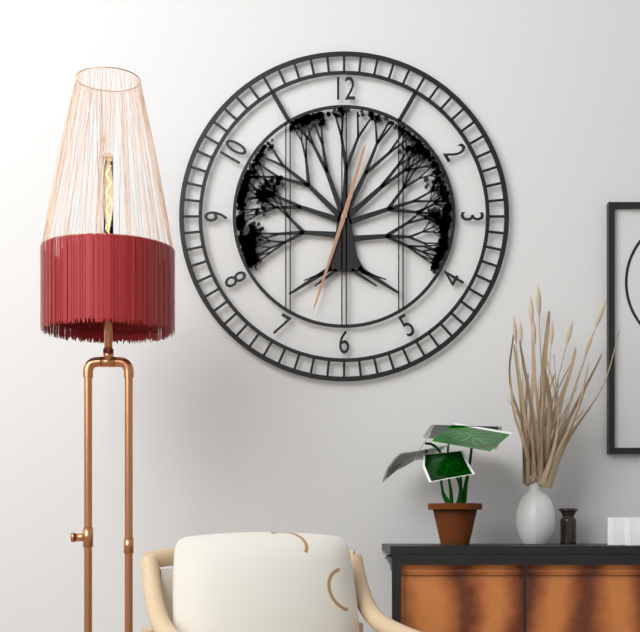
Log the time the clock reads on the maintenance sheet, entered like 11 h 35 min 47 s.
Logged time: 12 h 33 min 33 s
